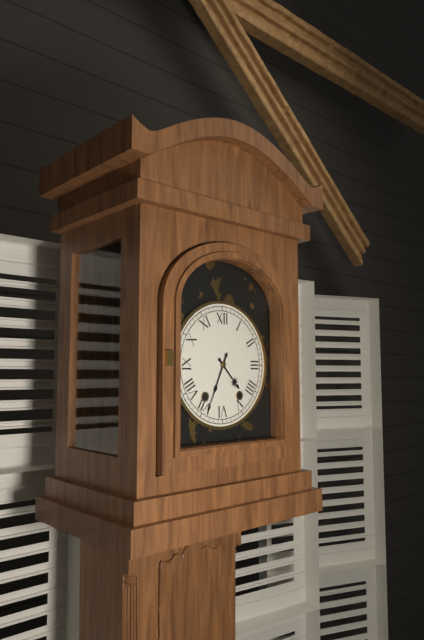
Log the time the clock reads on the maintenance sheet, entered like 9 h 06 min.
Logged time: 4 h 34 min
